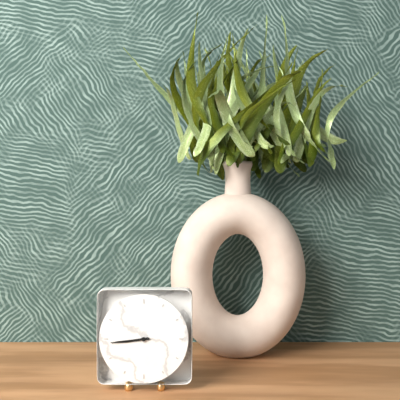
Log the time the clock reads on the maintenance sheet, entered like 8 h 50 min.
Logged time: 8 h 44 min
